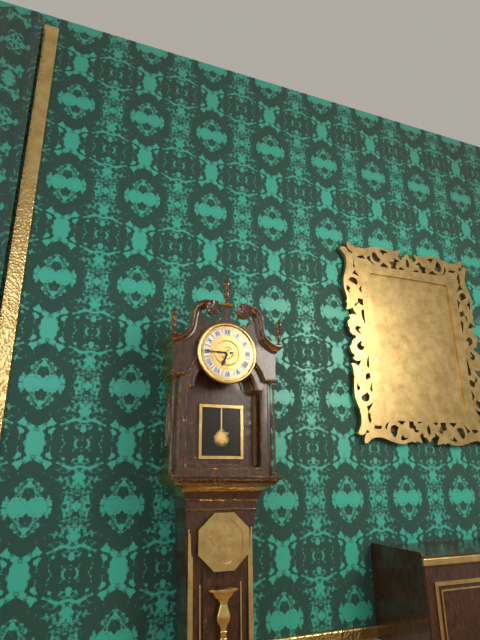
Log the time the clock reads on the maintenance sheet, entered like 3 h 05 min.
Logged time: 6 h 45 min
